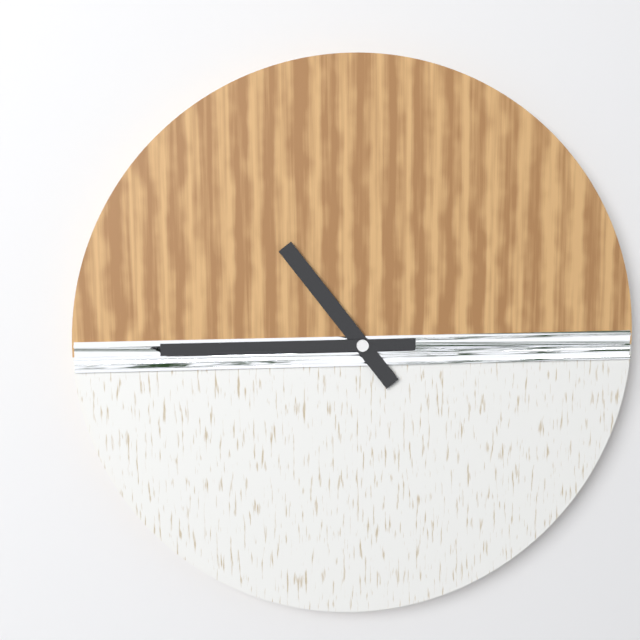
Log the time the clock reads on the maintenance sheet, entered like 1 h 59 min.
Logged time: 10 h 45 min
